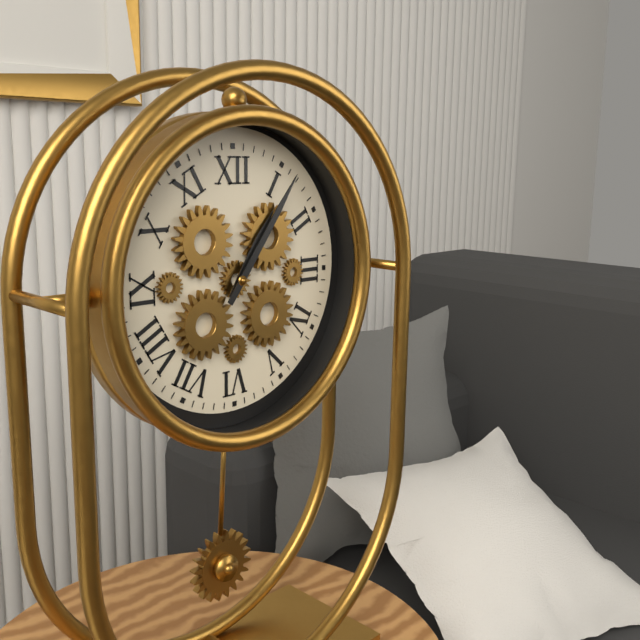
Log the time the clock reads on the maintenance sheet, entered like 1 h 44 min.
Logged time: 1 h 06 min
